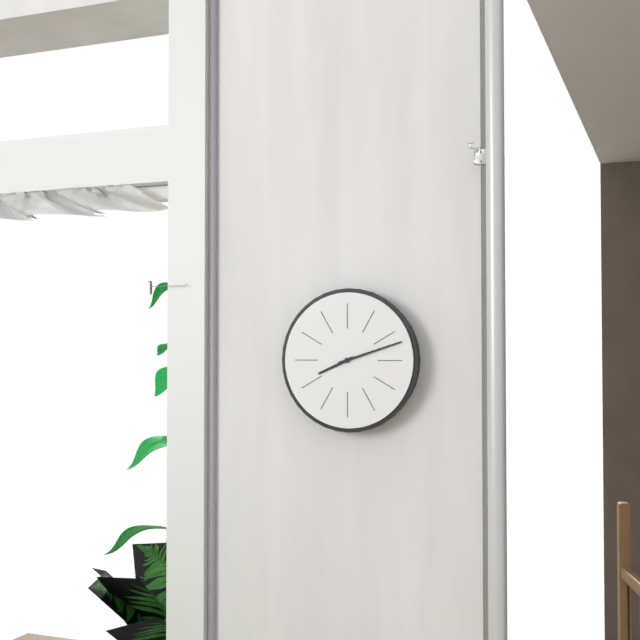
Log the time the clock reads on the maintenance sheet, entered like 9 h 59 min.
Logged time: 8 h 12 min
